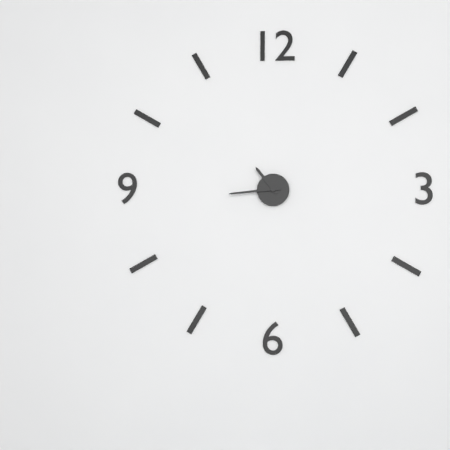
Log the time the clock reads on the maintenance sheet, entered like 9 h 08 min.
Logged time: 10 h 44 min
